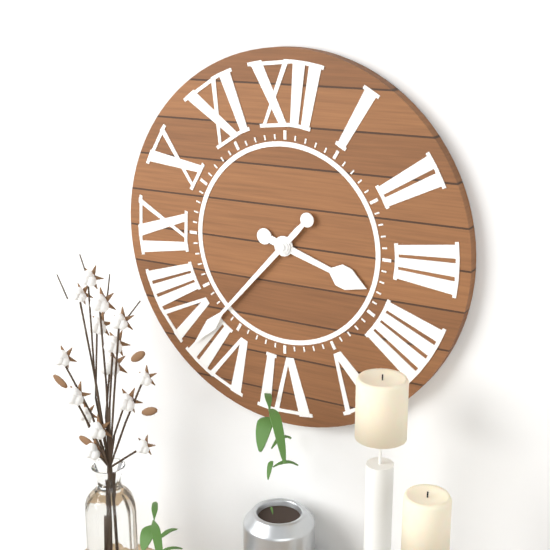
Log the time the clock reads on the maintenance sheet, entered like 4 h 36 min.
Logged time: 3 h 37 min
